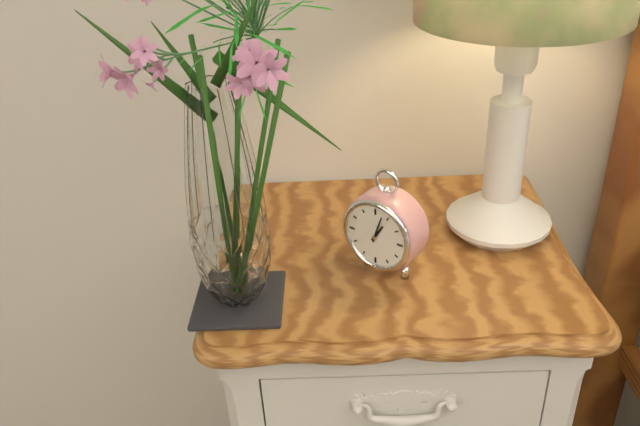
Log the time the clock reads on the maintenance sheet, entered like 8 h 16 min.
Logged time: 1 h 03 min
